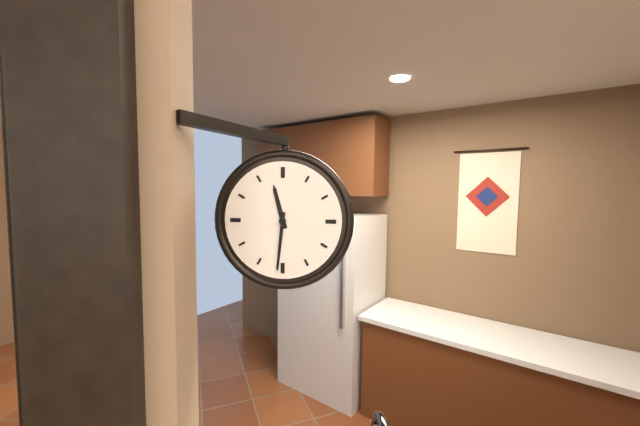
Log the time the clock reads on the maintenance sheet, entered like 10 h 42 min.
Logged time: 11 h 31 min
